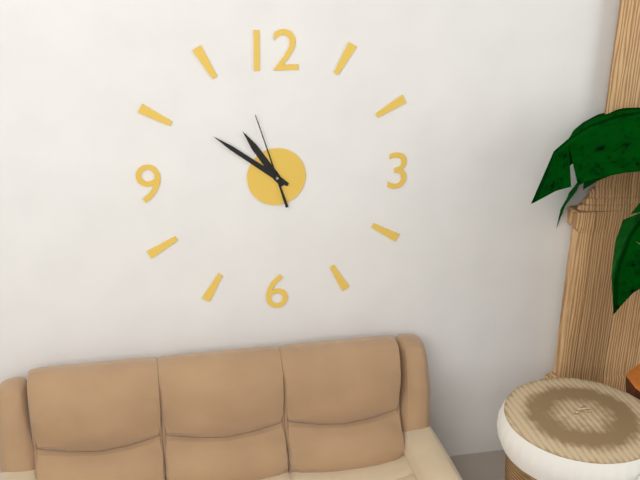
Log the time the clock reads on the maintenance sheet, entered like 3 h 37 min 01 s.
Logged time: 10 h 51 min 57 s
